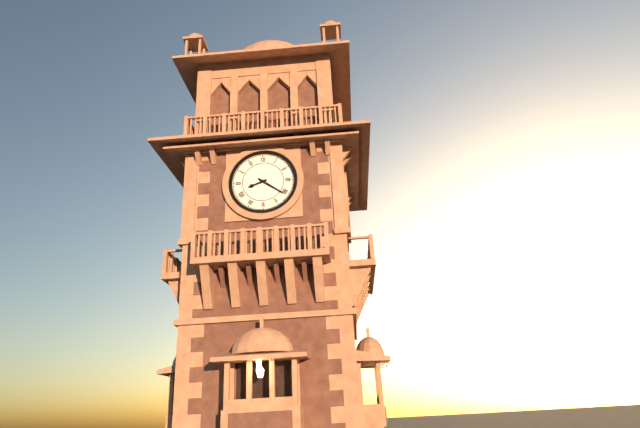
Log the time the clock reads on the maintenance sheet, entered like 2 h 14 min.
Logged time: 8 h 21 min
